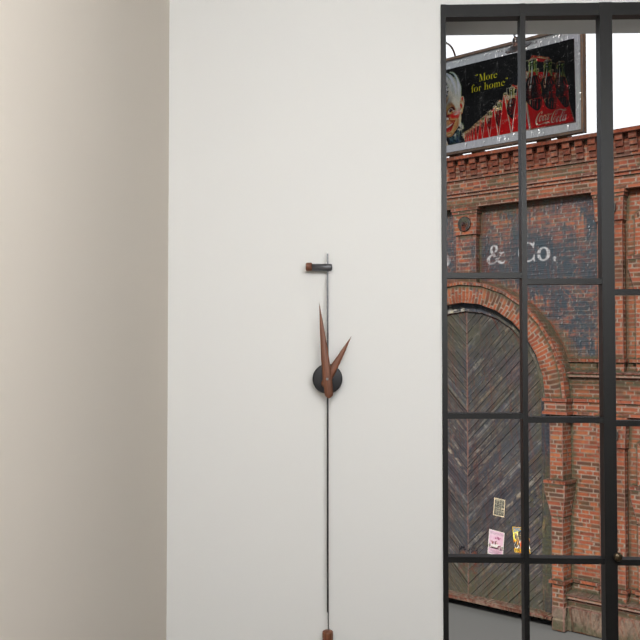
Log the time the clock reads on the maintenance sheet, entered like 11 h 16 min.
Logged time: 12 h 59 min
